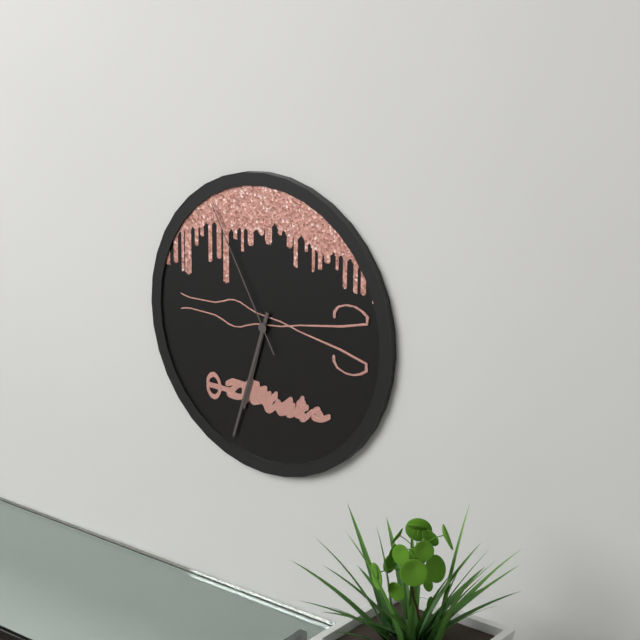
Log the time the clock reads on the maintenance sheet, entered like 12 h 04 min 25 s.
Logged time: 6 h 33 min 55 s
